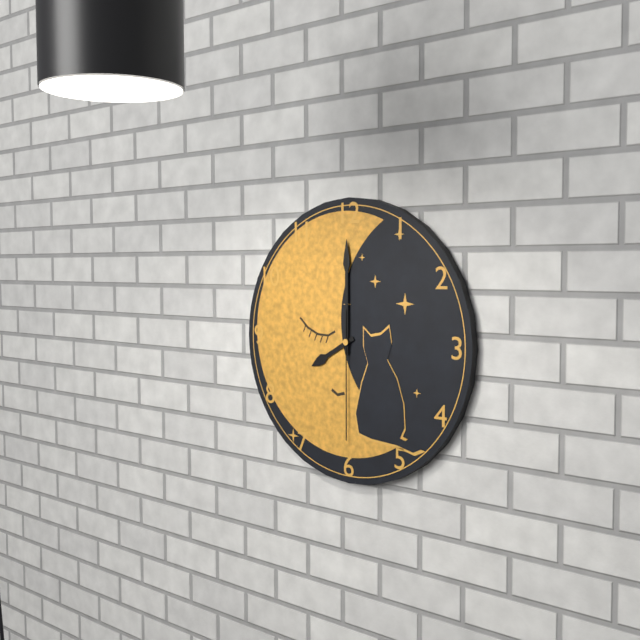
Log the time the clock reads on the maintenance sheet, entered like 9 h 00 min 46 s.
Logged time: 8 h 00 min 30 s
